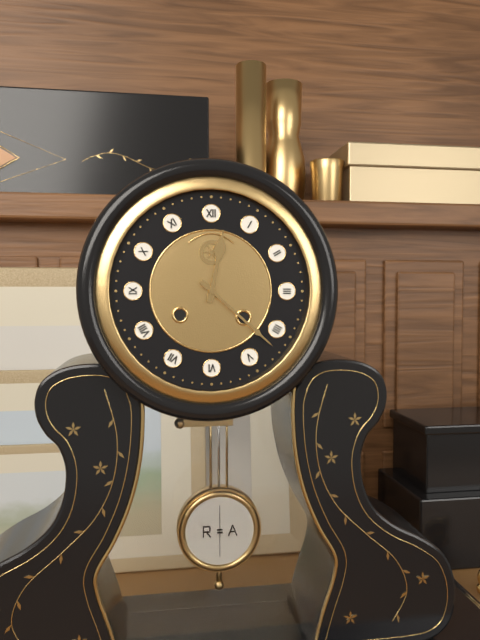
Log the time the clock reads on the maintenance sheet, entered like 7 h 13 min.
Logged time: 12 h 22 min
